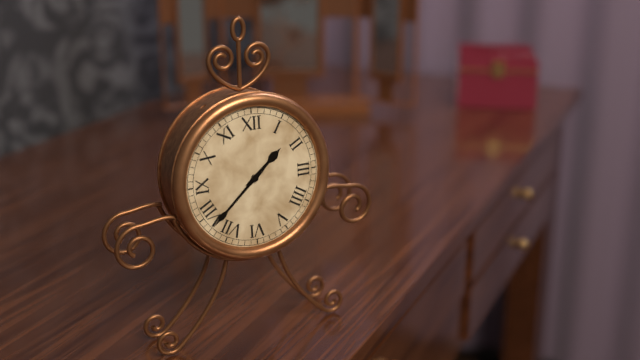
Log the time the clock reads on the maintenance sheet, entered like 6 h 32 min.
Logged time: 1 h 38 min
